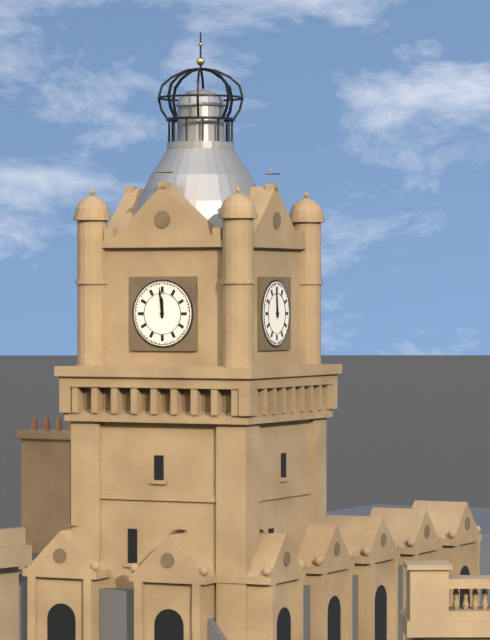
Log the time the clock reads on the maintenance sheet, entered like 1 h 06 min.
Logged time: 11 h 59 min
